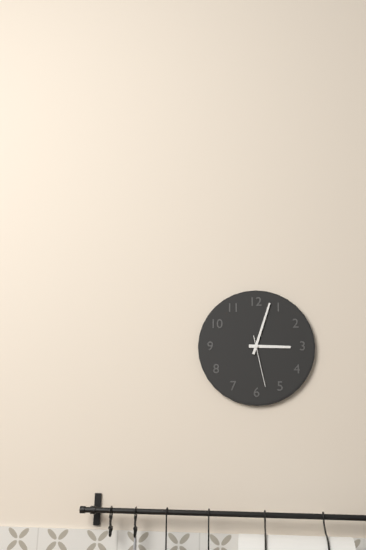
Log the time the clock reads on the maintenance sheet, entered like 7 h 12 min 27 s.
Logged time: 3 h 03 min 28 s
